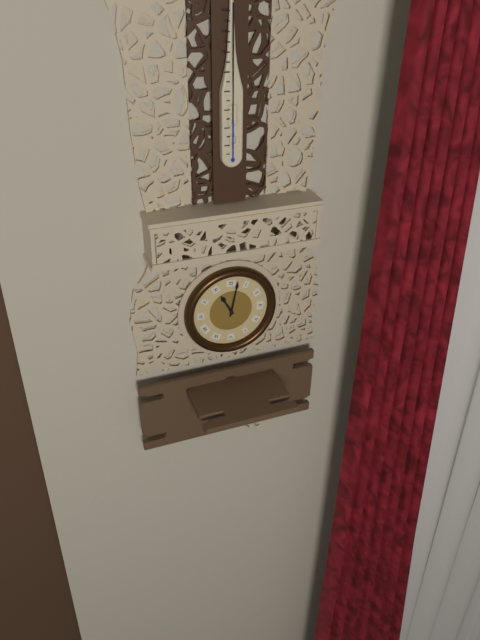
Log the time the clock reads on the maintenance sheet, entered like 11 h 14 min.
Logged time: 11 h 02 min
